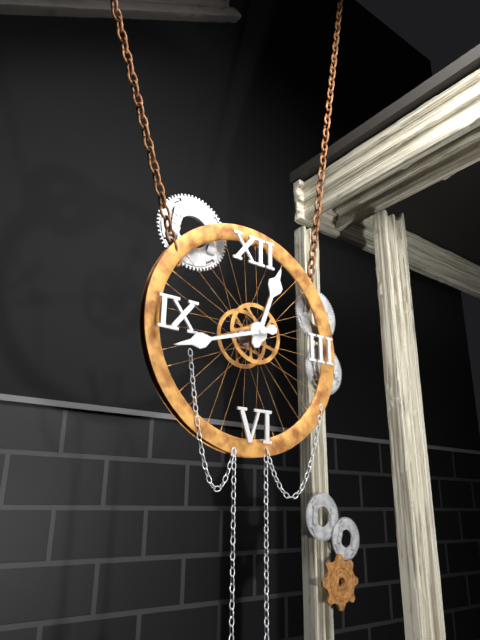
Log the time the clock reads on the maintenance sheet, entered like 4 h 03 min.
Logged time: 12 h 42 min
